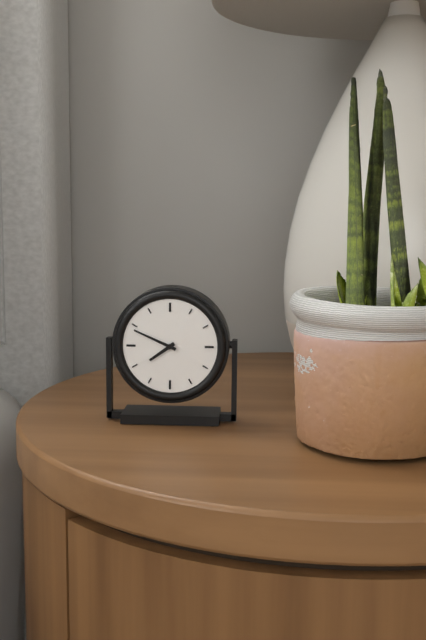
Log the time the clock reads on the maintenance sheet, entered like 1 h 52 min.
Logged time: 7 h 49 min
